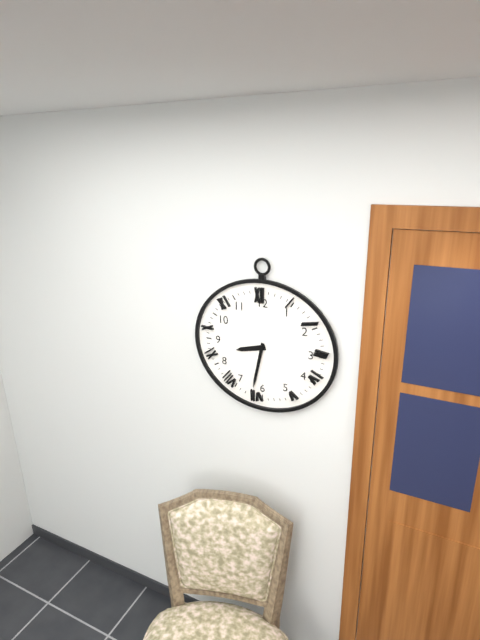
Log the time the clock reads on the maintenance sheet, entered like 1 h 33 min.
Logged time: 8 h 32 min
